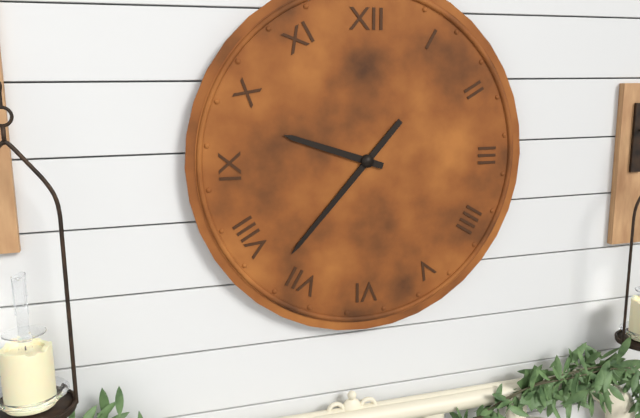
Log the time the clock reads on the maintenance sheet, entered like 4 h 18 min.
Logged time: 9 h 37 min
